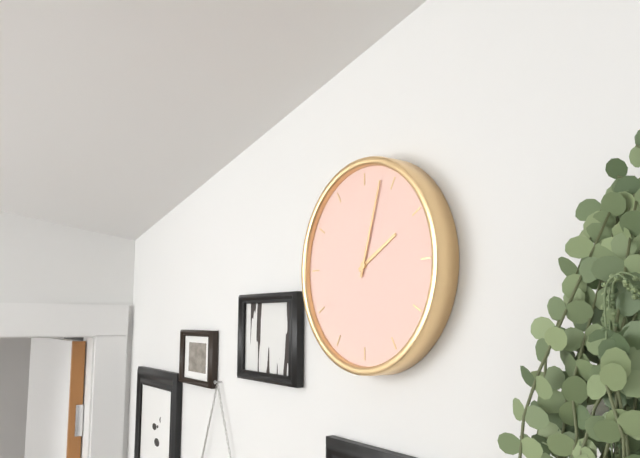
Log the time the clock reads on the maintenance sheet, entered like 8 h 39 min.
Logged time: 2 h 03 min
